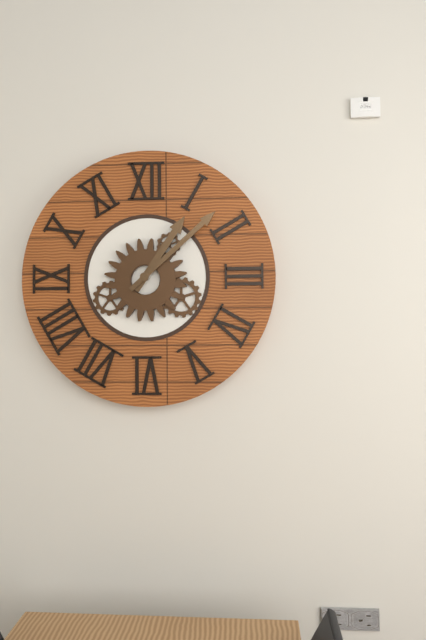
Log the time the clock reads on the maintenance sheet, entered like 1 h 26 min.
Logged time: 1 h 08 min
